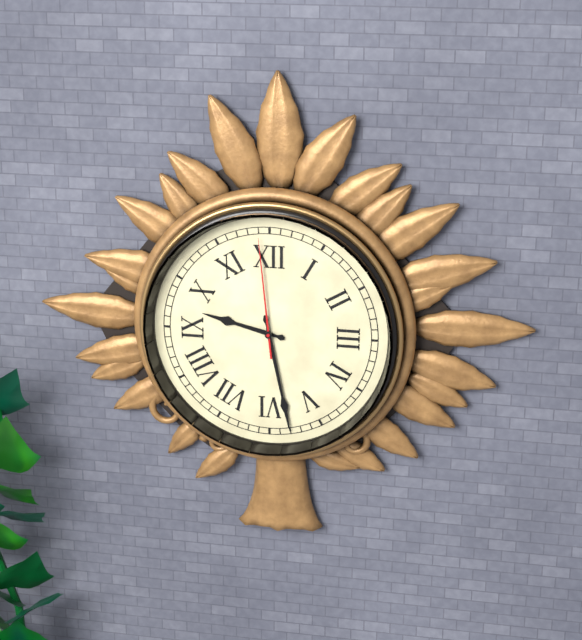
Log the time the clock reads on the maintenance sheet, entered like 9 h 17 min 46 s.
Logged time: 9 h 28 min 59 s
